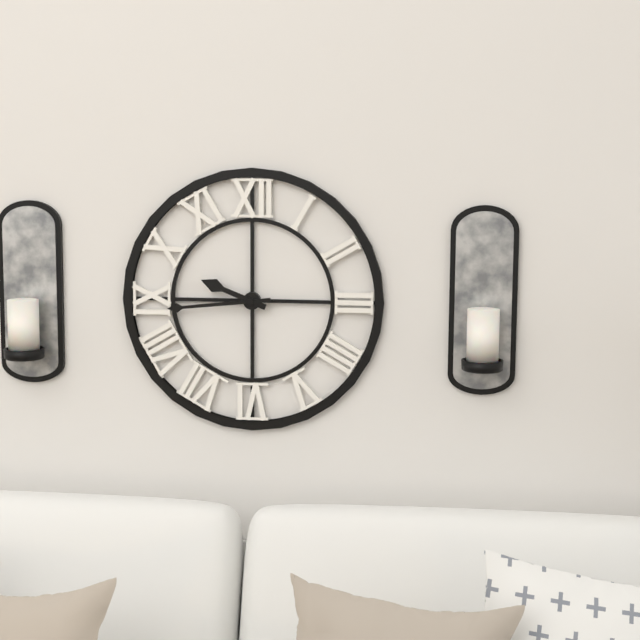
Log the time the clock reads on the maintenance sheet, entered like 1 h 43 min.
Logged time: 9 h 44 min
